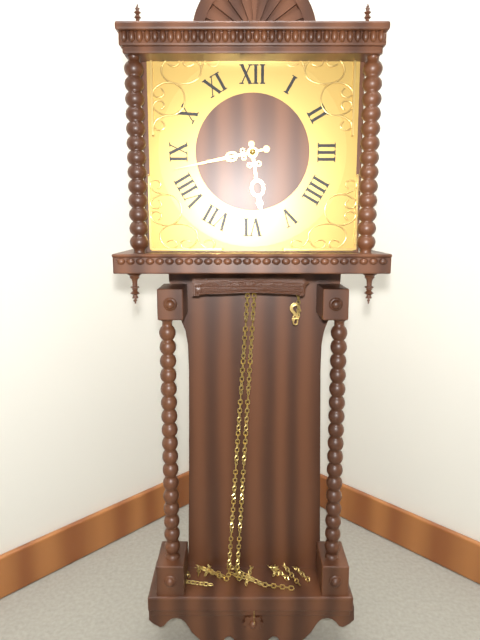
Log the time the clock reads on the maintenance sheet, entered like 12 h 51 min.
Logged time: 5 h 43 min
